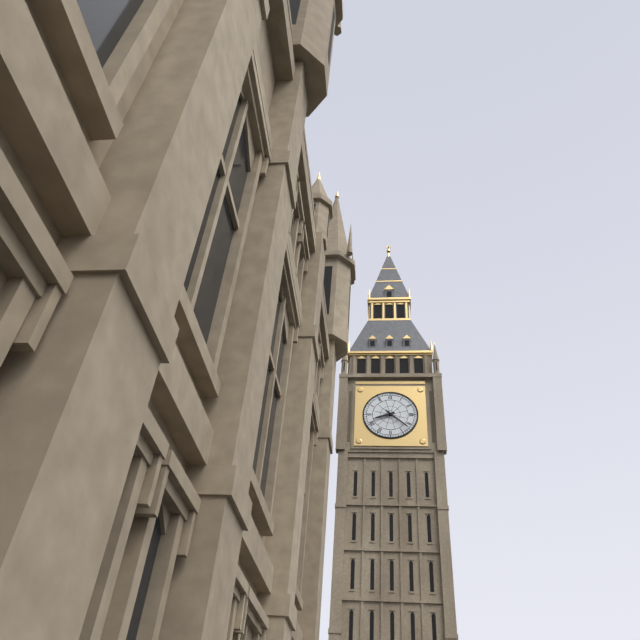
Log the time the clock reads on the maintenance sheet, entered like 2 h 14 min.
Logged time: 8 h 22 min
